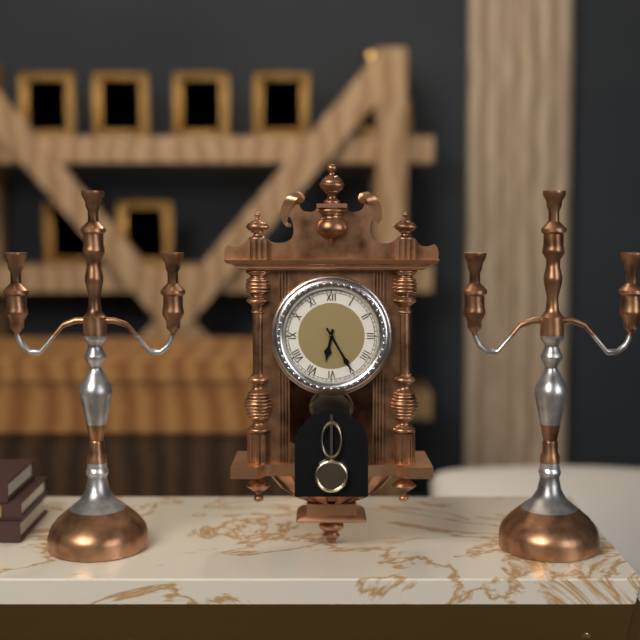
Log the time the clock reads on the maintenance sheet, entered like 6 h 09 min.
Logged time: 6 h 25 min
